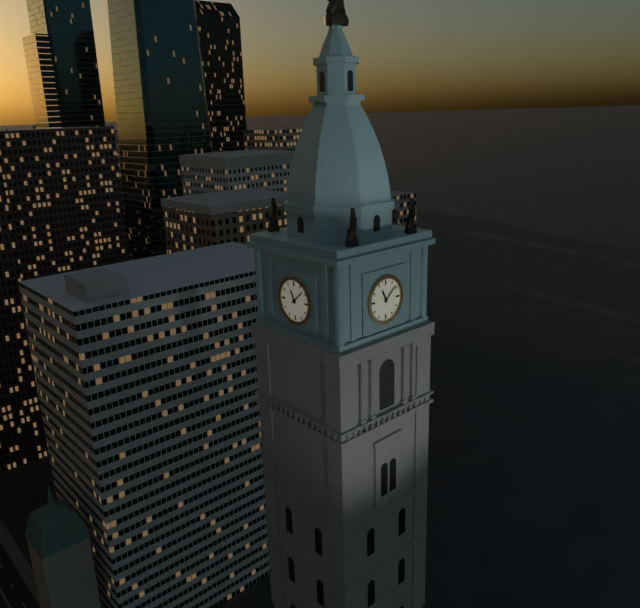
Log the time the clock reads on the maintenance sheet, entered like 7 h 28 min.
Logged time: 11 h 08 min
